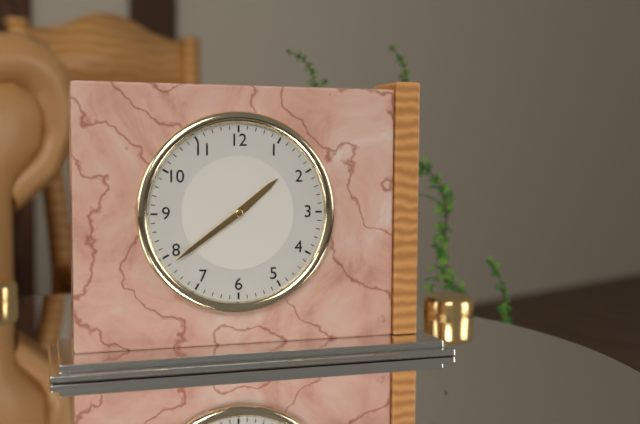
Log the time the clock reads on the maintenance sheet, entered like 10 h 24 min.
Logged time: 1 h 39 min
